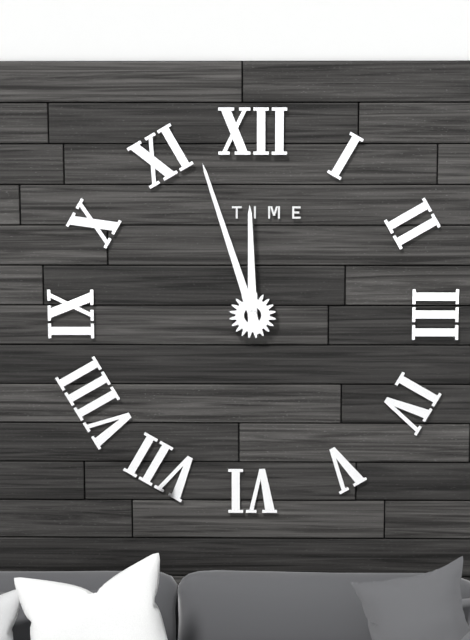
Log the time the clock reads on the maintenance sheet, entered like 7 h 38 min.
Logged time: 11 h 57 min
